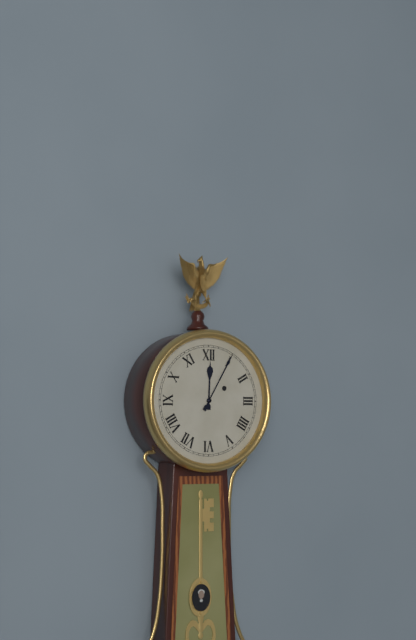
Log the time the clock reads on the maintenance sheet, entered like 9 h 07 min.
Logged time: 12 h 05 min
